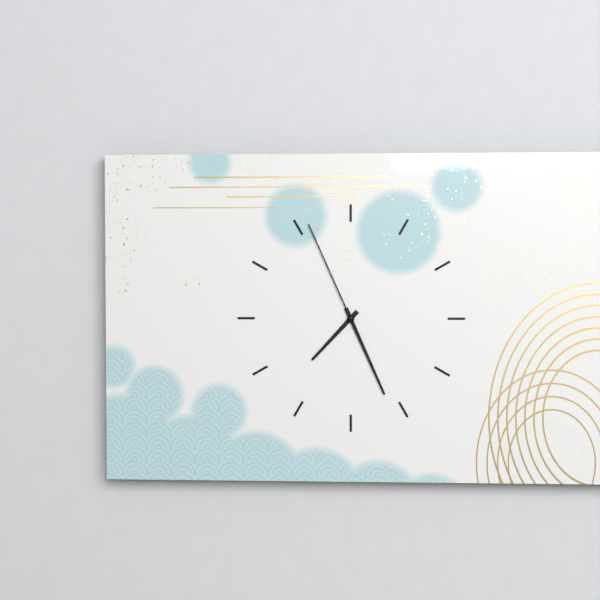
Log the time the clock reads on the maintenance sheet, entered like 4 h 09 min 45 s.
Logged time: 7 h 26 min 56 s
